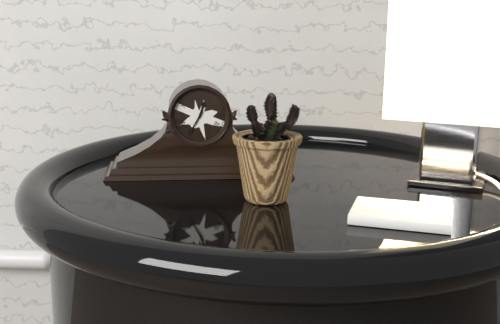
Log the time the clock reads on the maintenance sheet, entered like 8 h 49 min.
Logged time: 12 h 35 min
